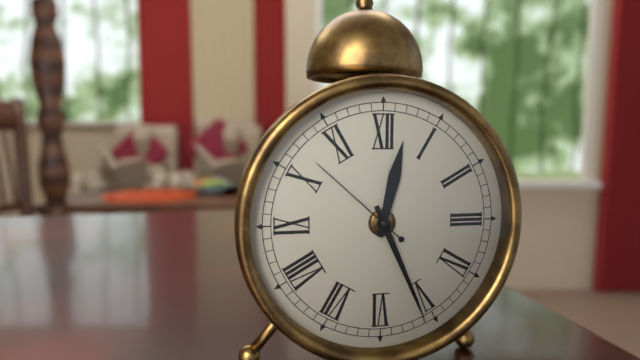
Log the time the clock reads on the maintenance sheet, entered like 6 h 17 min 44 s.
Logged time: 12 h 26 min 52 s
